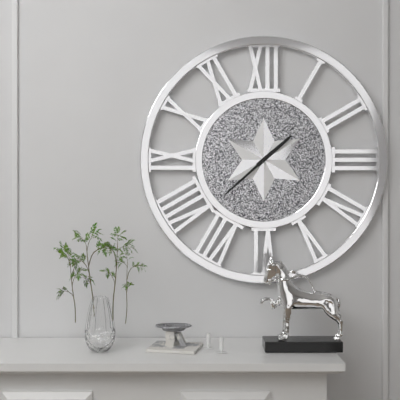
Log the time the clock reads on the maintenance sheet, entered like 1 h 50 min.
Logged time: 1 h 38 min
